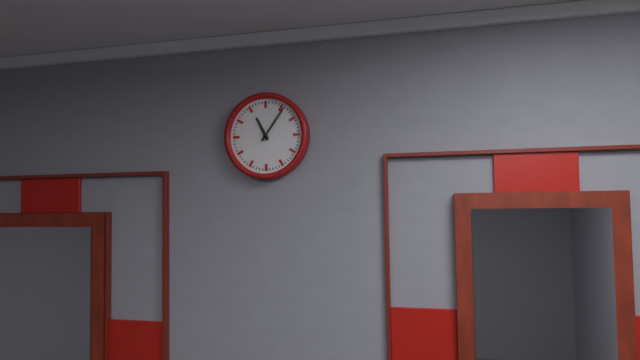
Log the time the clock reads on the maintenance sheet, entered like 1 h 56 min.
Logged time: 11 h 06 min
